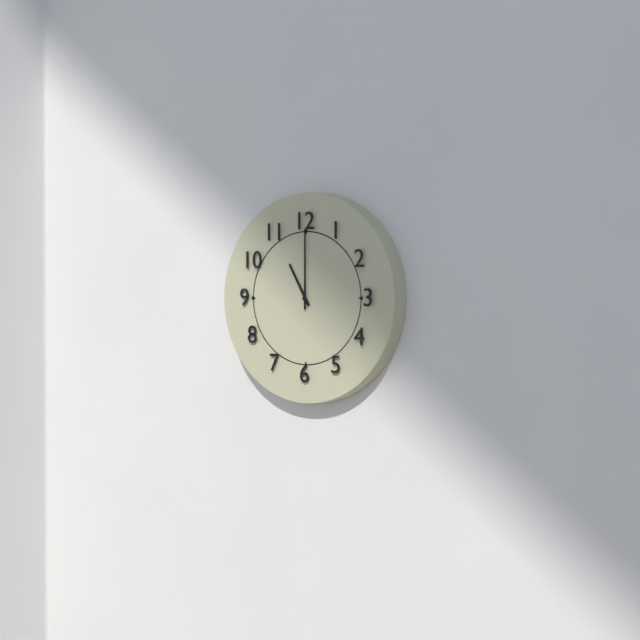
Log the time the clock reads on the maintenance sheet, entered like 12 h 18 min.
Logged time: 11 h 00 min
